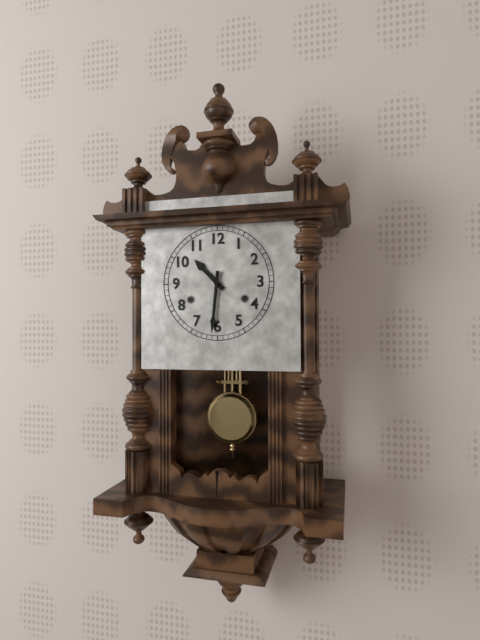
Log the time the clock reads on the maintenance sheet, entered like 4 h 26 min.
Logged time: 10 h 31 min
